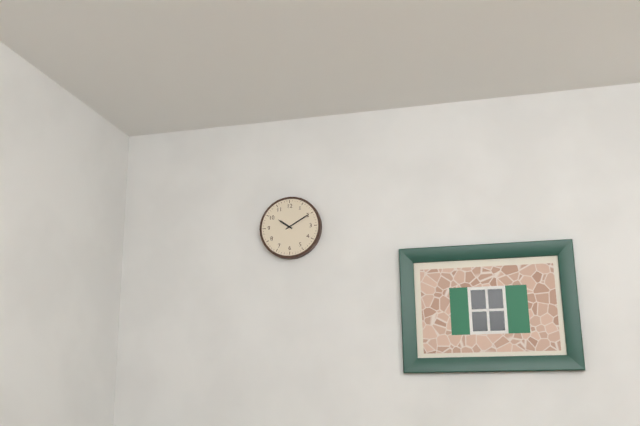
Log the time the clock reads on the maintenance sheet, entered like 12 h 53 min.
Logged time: 10 h 10 min
